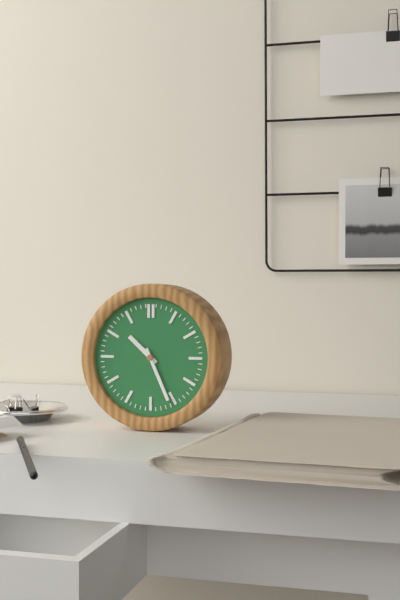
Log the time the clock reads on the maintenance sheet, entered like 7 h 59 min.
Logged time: 10 h 26 min
